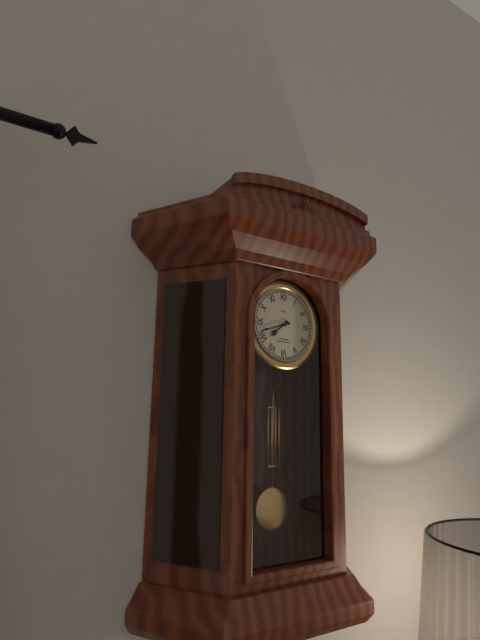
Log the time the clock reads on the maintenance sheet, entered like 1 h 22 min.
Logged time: 7 h 42 min
